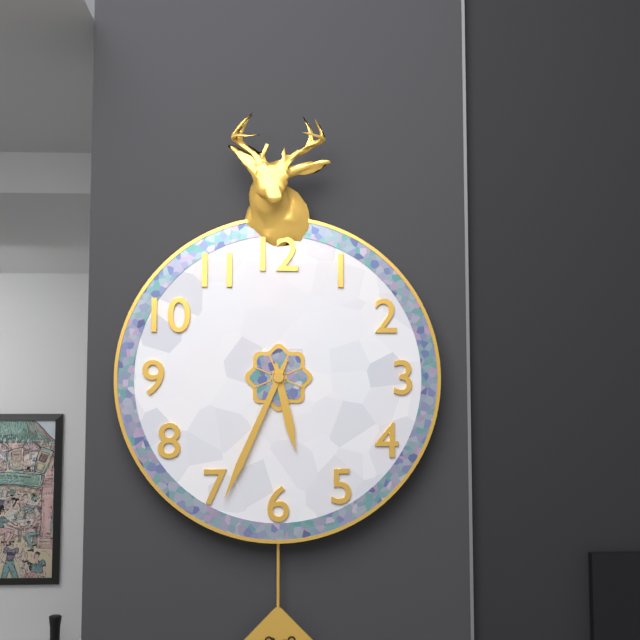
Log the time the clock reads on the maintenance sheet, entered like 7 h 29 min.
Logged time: 5 h 34 min
